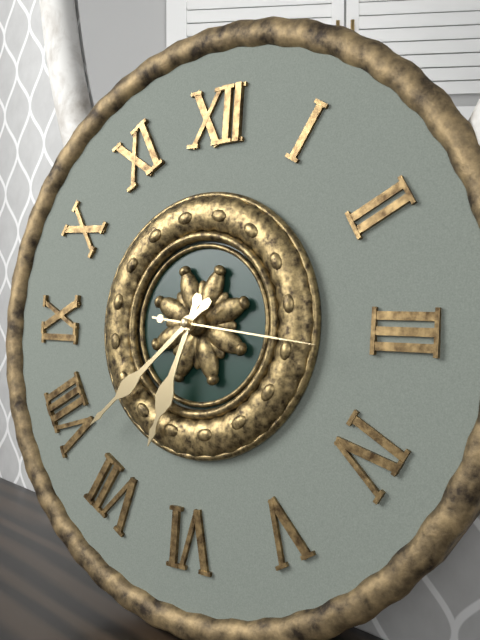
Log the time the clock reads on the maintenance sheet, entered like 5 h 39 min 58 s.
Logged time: 6 h 38 min 16 s
